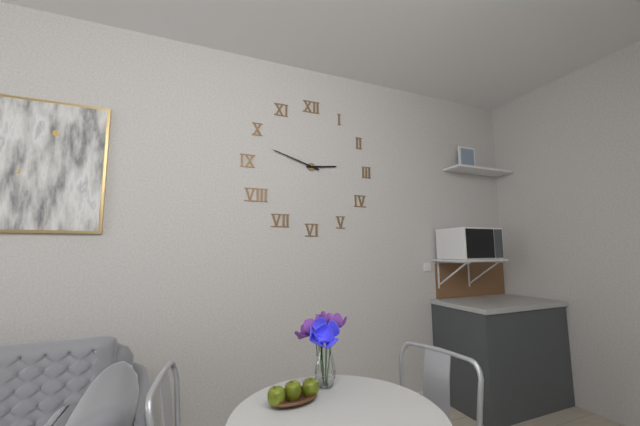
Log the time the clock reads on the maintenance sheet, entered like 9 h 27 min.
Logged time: 2 h 48 min
